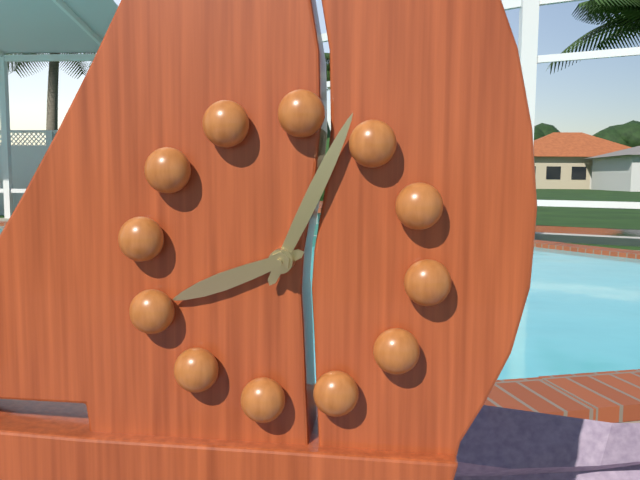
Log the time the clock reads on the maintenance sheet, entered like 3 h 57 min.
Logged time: 8 h 03 min
